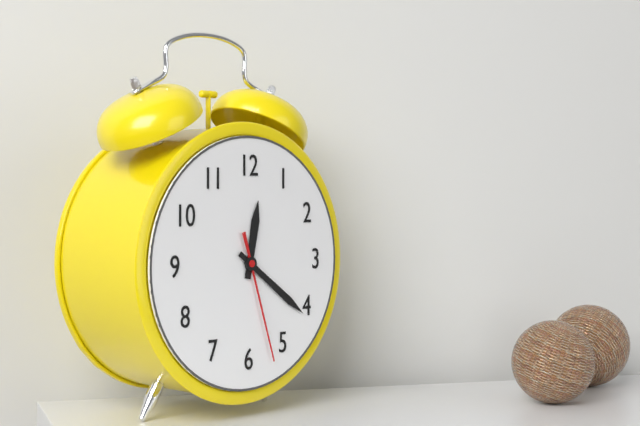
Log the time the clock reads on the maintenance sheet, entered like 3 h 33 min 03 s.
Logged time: 12 h 21 min 27 s
